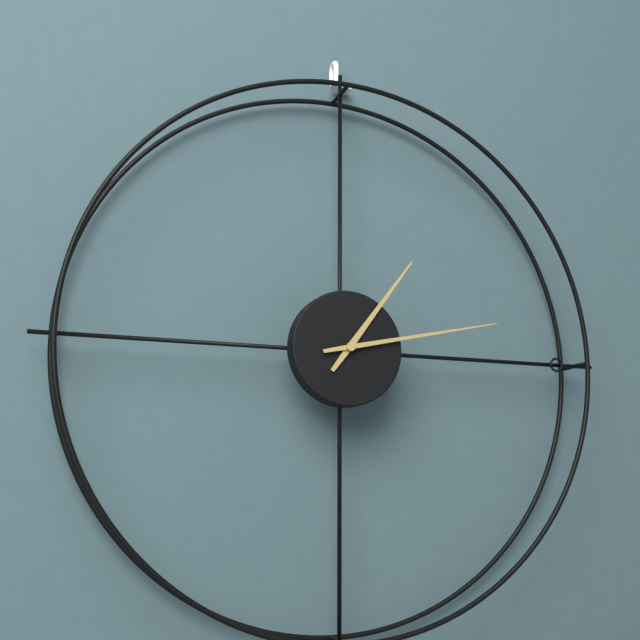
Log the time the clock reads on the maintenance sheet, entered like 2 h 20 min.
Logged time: 1 h 13 min
